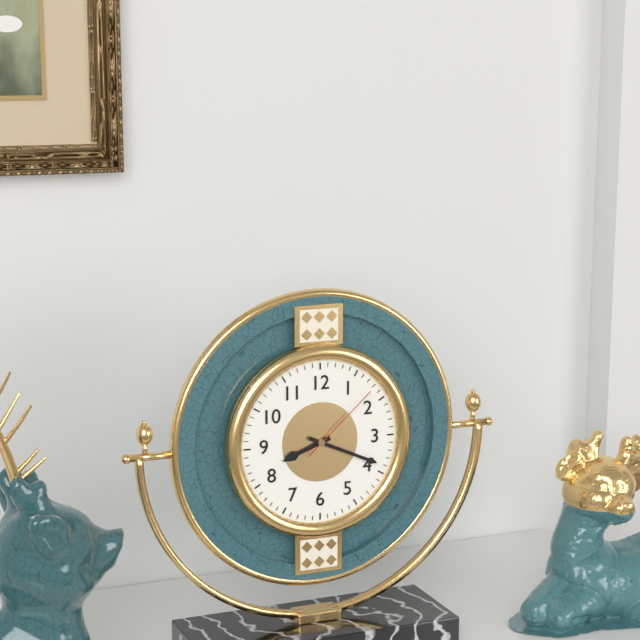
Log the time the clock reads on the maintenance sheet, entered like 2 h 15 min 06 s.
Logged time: 8 h 19 min 08 s
